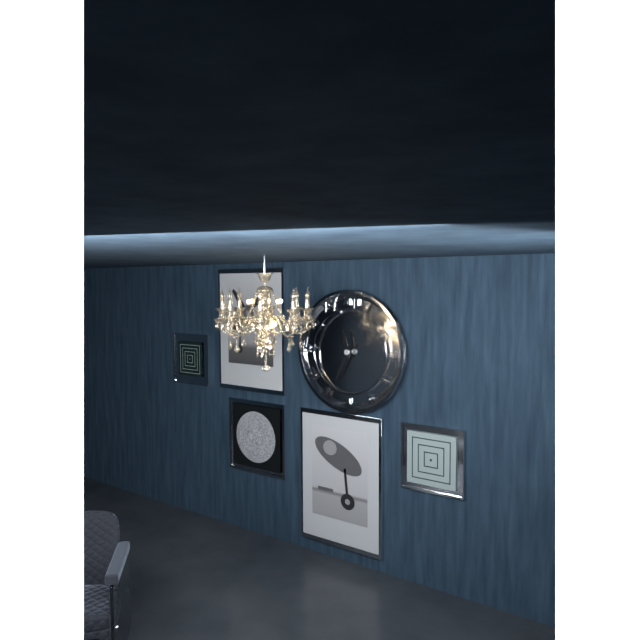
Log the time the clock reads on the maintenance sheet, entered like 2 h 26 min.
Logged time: 11 h 34 min
